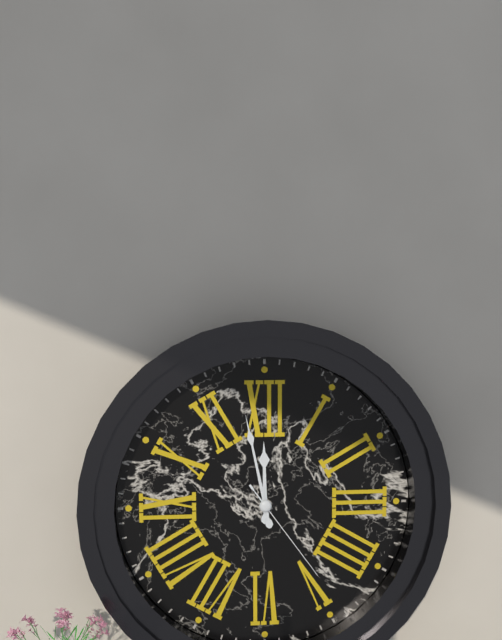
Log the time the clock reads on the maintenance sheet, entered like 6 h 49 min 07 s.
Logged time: 11 h 58 min 24 s
